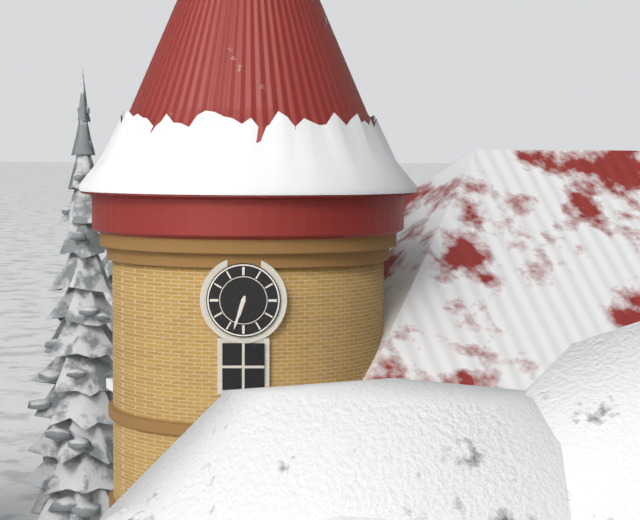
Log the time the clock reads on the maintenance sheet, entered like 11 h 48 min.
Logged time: 6 h 33 min
